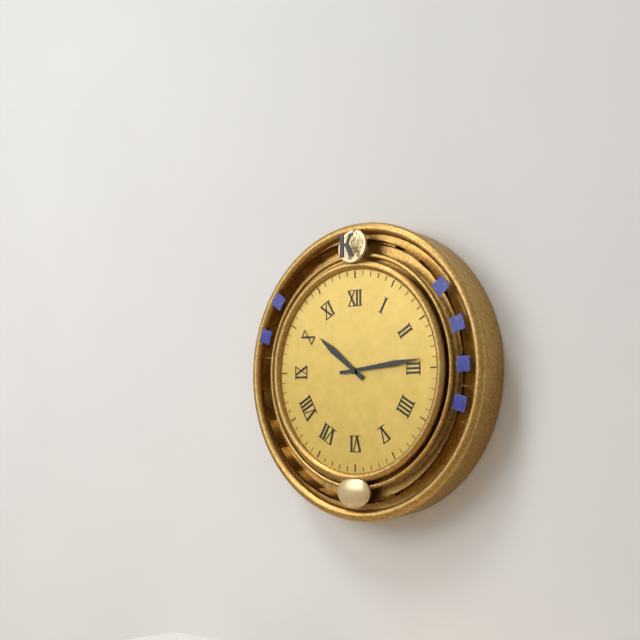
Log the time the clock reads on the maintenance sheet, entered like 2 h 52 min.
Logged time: 10 h 14 min
